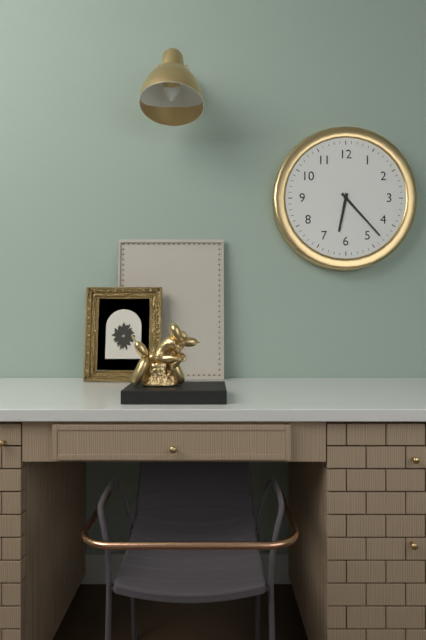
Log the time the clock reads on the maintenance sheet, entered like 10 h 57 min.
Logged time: 6 h 23 min
